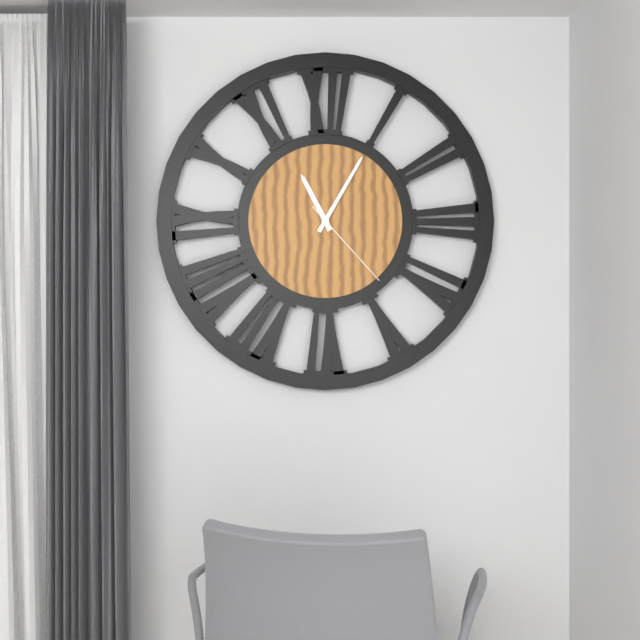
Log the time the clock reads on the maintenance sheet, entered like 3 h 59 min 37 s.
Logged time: 11 h 05 min 23 s
